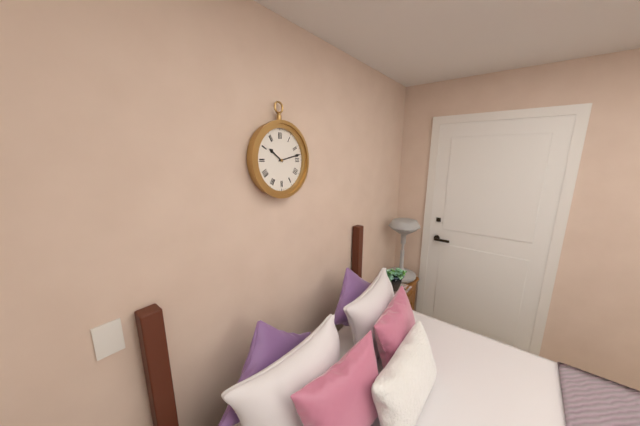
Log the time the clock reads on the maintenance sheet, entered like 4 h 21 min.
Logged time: 10 h 13 min
